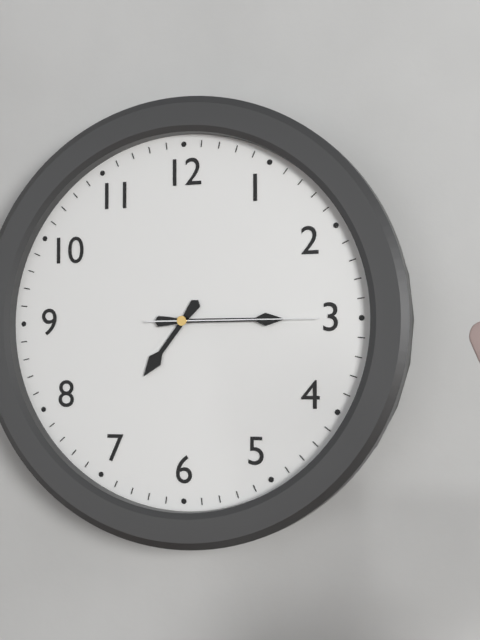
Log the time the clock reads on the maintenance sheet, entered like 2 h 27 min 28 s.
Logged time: 7 h 15 min 15 s
